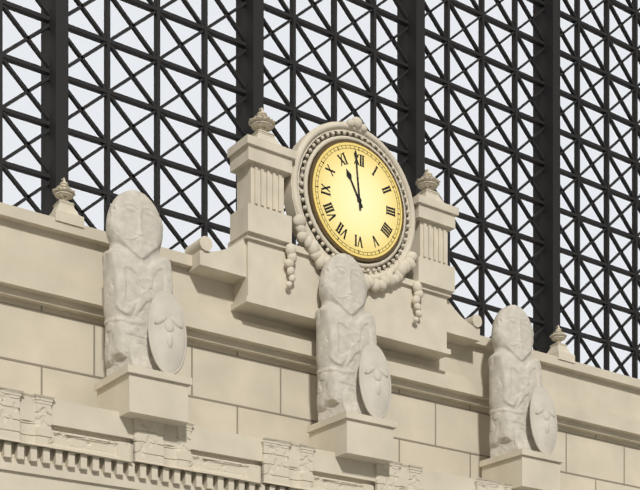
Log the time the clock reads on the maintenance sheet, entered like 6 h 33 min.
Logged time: 10 h 59 min
